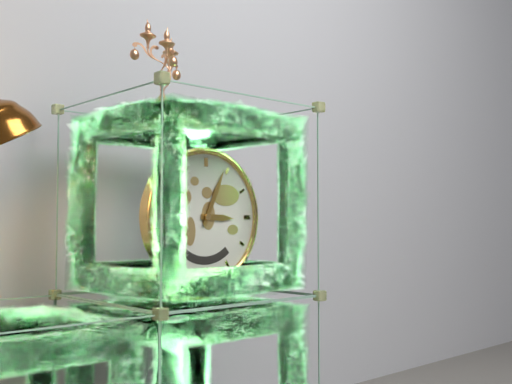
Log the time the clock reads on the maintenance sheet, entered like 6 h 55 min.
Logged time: 3 h 04 min
